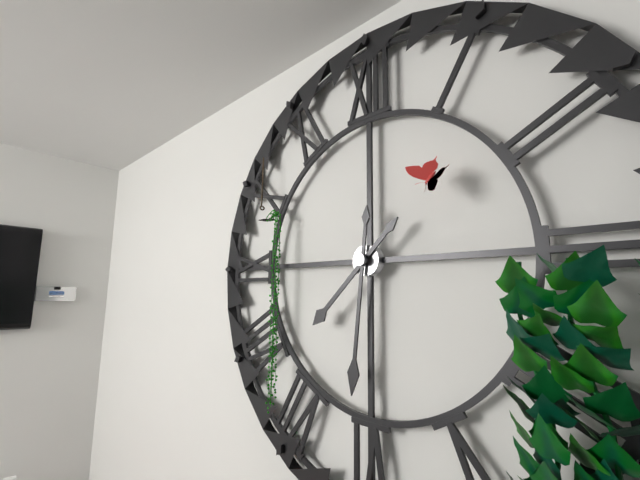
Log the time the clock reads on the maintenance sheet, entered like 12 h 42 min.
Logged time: 7 h 31 min
